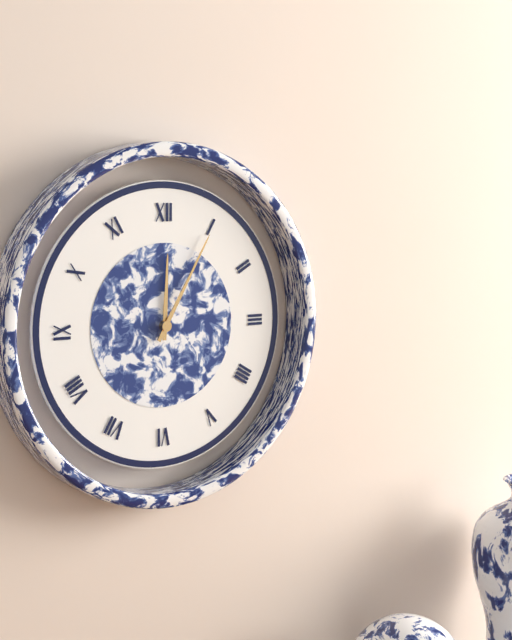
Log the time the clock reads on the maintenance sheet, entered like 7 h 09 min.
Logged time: 12 h 05 min
